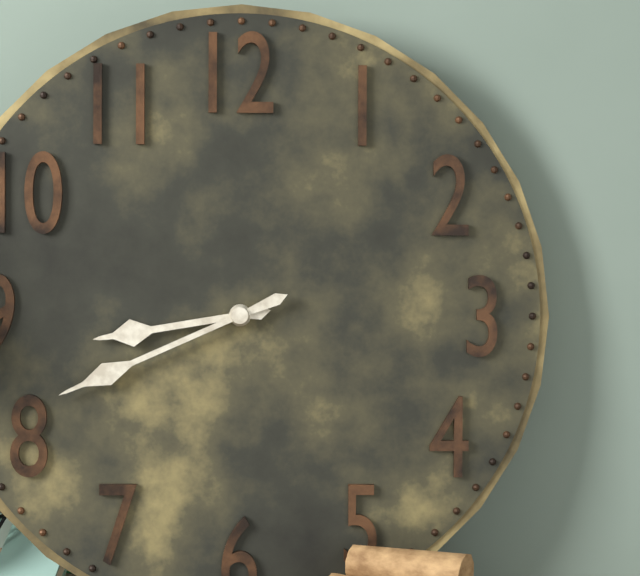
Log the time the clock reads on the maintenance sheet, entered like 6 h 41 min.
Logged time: 8 h 41 min
